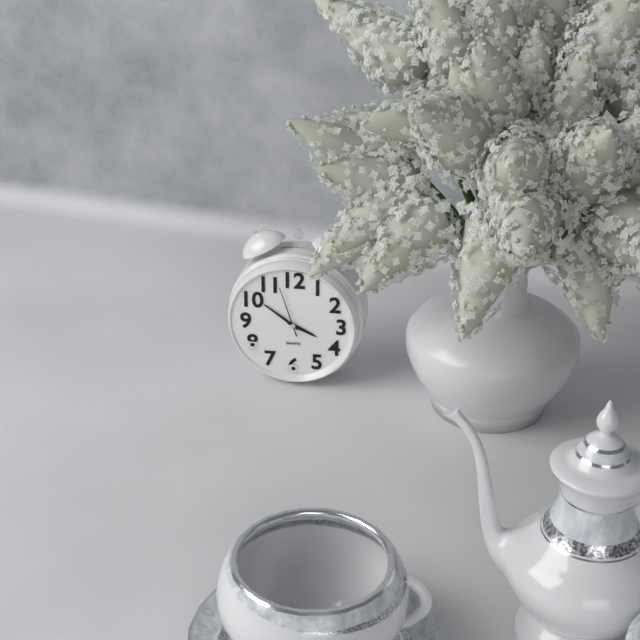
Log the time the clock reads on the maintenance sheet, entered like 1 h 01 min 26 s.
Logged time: 3 h 51 min 57 s
